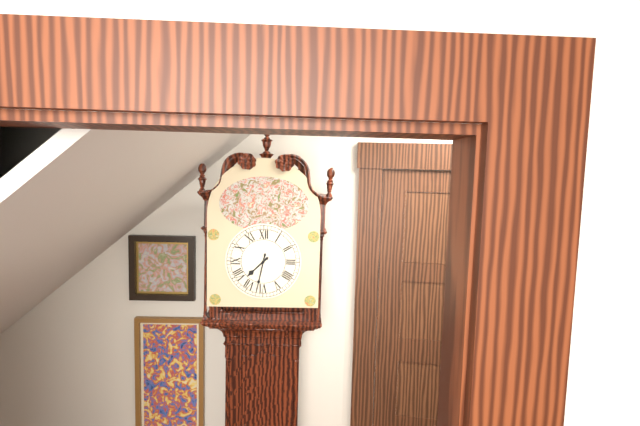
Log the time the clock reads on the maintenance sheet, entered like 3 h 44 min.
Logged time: 7 h 32 min
